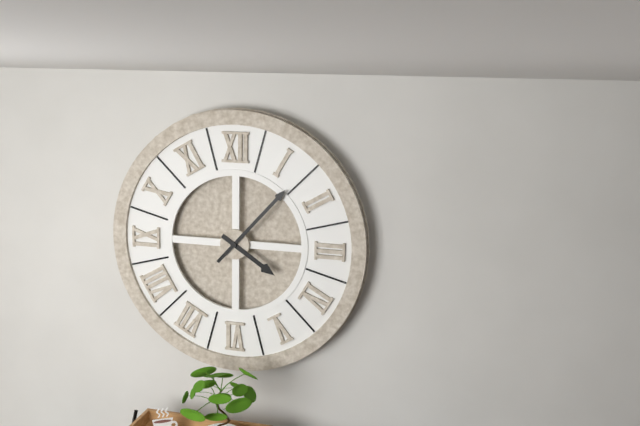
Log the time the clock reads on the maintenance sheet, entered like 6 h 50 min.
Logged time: 4 h 07 min
